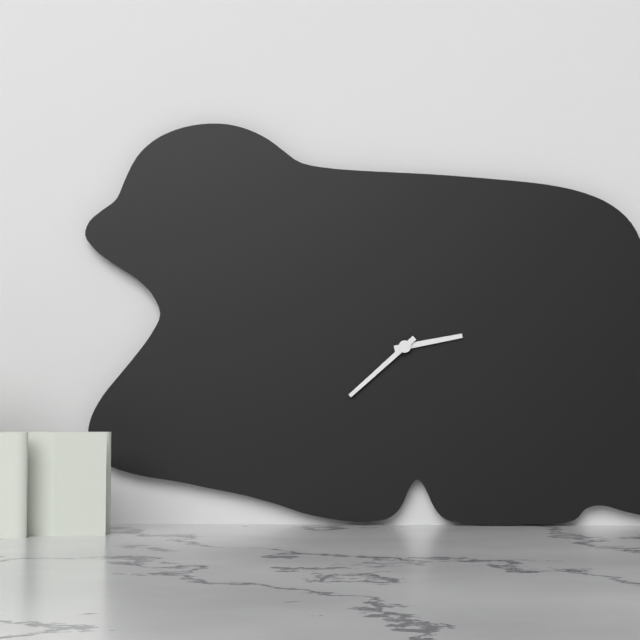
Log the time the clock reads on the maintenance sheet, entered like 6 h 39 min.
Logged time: 2 h 38 min
